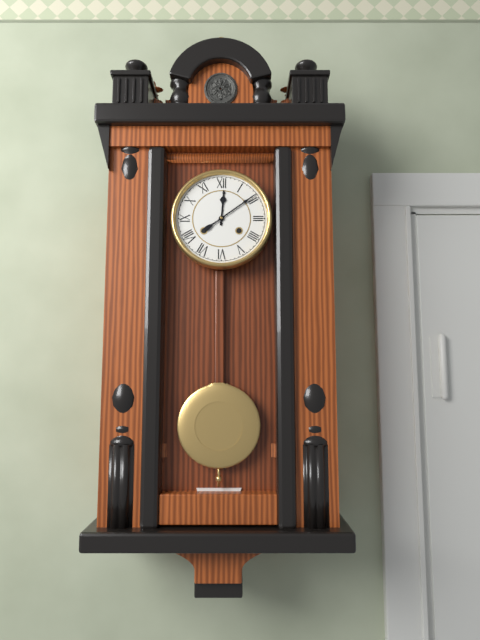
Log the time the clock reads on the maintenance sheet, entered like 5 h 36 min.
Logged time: 12 h 09 min
